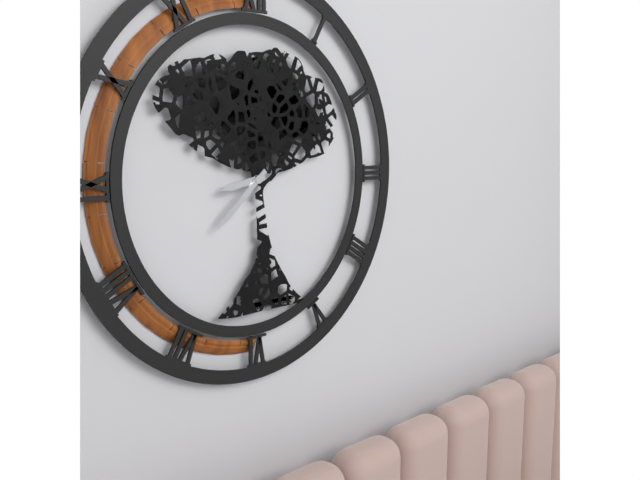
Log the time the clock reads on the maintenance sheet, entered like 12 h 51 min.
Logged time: 8 h 38 min
